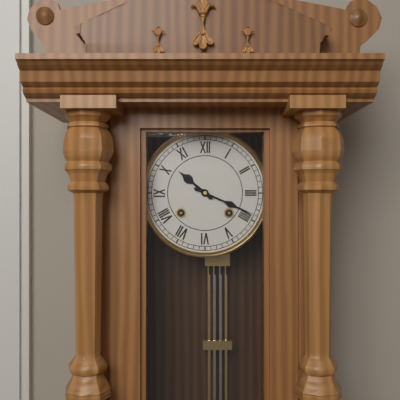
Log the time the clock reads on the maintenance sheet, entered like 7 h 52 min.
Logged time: 10 h 19 min
